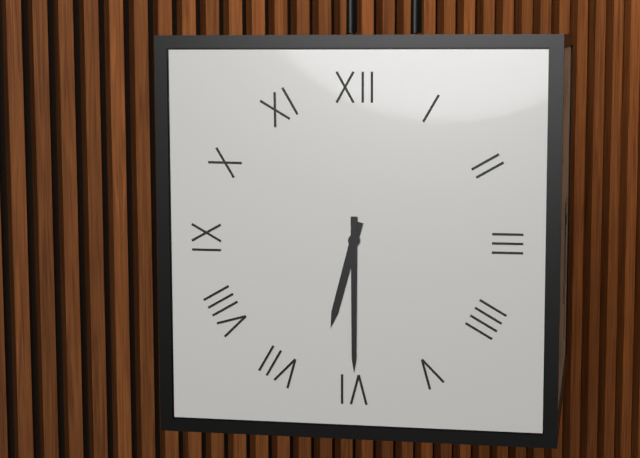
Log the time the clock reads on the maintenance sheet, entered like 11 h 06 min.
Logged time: 6 h 30 min
